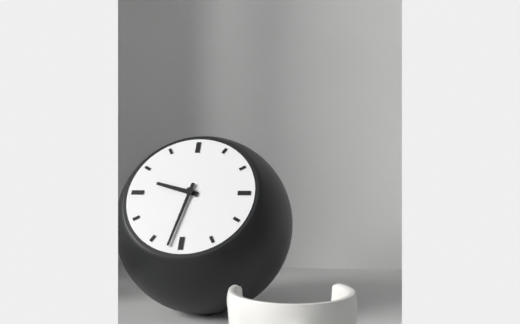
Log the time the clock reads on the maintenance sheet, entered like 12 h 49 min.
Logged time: 9 h 32 min
